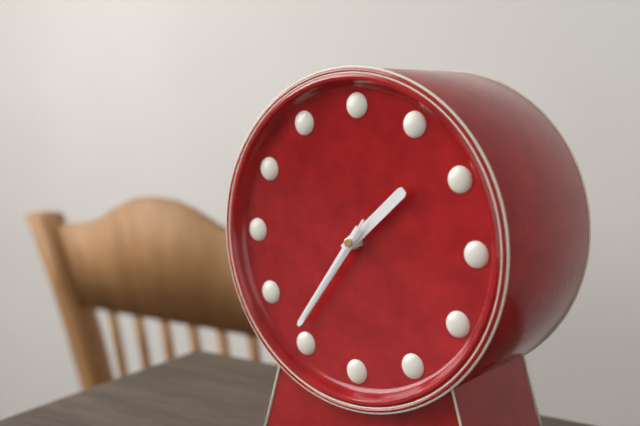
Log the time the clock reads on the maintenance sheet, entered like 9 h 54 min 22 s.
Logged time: 1 h 36 min 36 s
